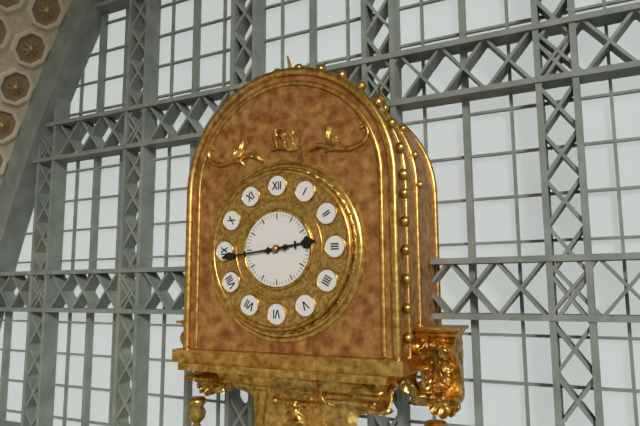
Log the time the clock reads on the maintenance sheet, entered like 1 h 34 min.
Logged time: 2 h 44 min
